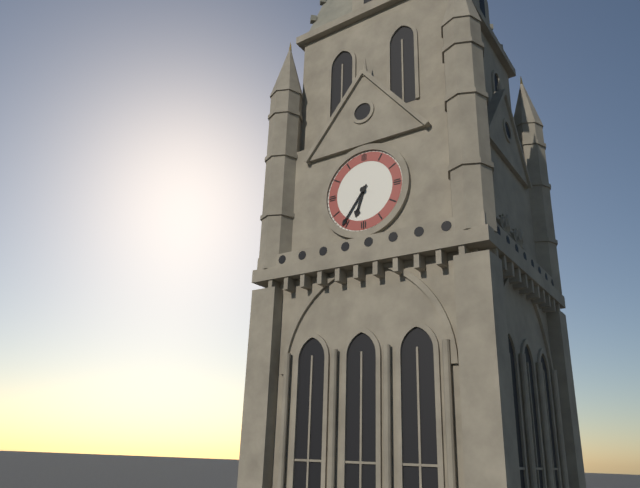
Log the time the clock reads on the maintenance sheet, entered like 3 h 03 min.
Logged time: 6 h 36 min
